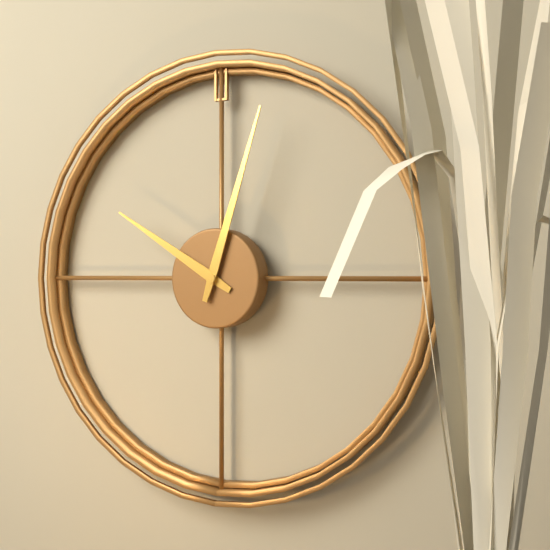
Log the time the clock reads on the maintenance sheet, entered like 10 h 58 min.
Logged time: 10 h 03 min
